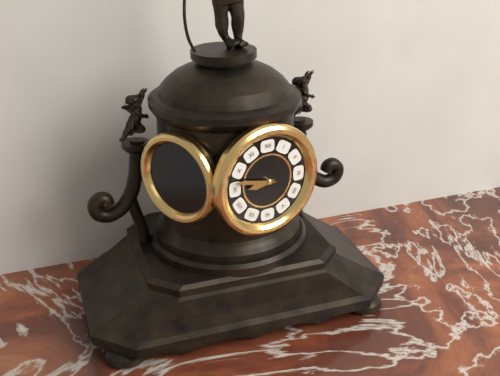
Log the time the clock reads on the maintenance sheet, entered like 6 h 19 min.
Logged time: 8 h 47 min
